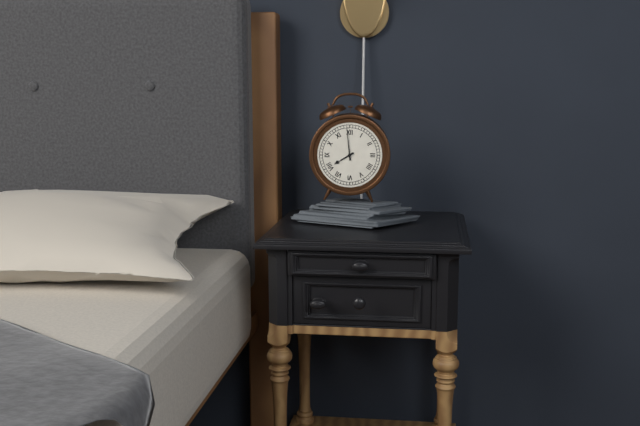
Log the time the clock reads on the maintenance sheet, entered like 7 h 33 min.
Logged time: 7 h 59 min
